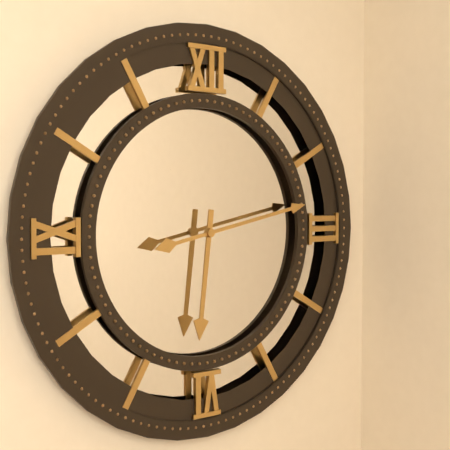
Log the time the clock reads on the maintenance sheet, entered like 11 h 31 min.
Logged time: 6 h 13 min
